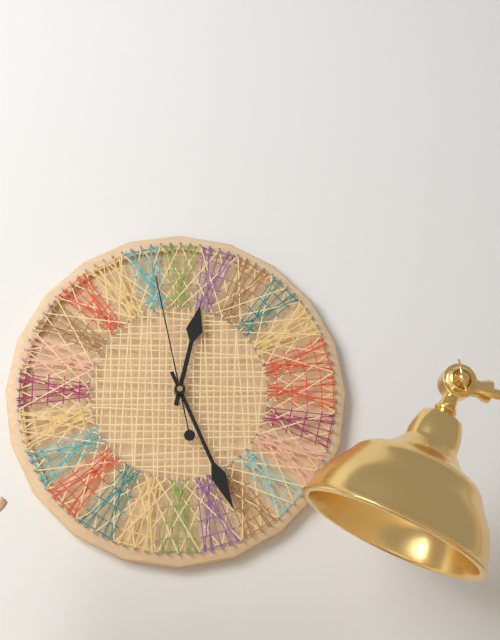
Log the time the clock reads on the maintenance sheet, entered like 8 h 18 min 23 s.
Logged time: 12 h 26 min 58 s
